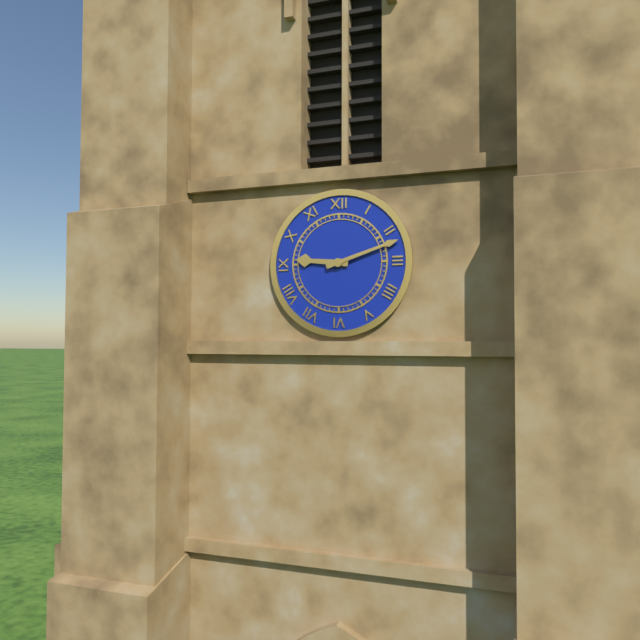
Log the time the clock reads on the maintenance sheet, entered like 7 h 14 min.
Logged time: 9 h 12 min
